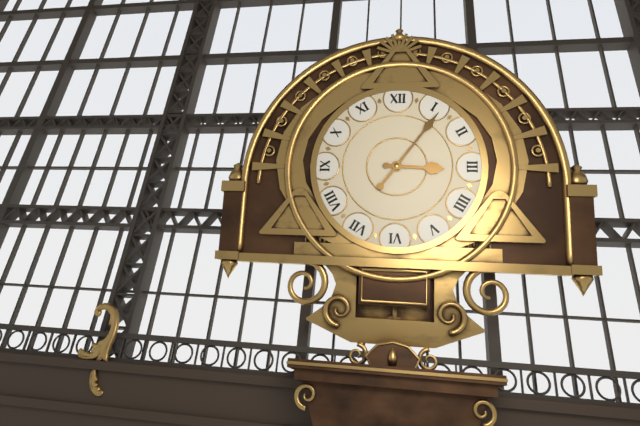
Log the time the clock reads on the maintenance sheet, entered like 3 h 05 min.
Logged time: 3 h 06 min
